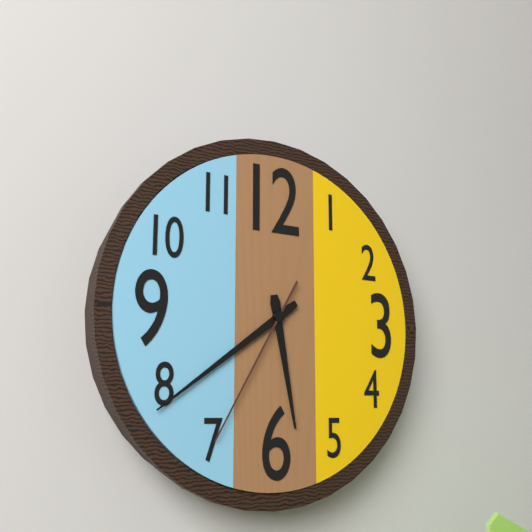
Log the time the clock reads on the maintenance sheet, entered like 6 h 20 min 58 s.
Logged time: 5 h 39 min 35 s
